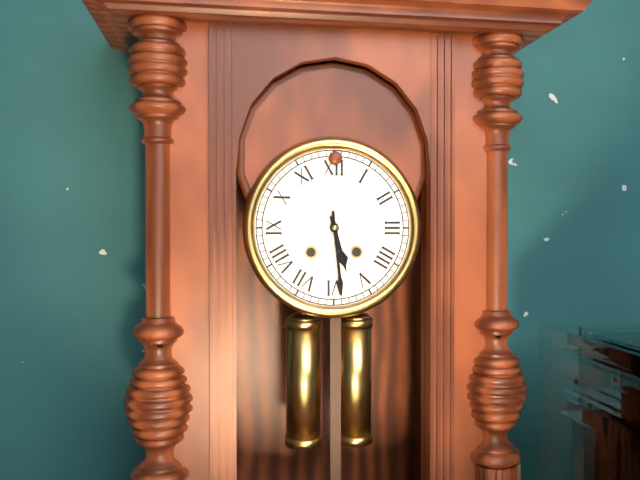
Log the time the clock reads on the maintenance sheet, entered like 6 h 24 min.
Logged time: 5 h 29 min
